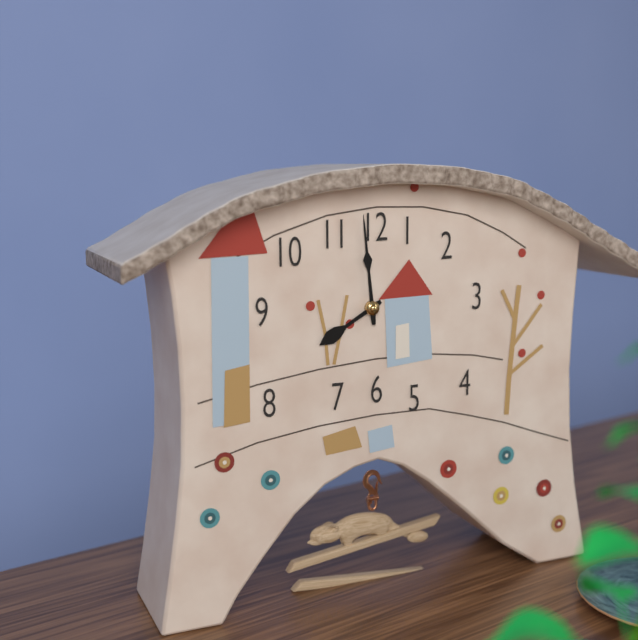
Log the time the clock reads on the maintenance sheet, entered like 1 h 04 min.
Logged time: 7 h 59 min
